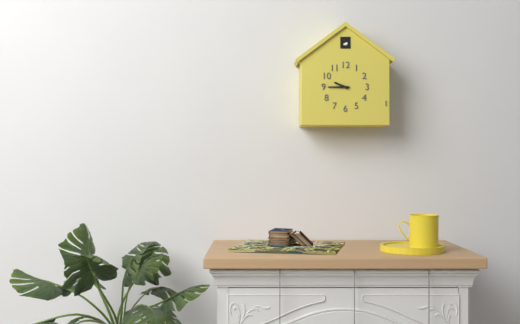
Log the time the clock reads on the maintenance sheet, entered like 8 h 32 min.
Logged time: 9 h 45 min
